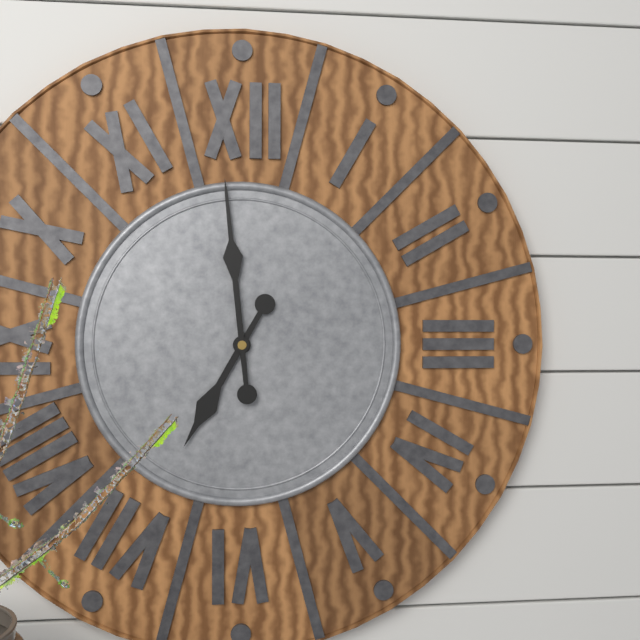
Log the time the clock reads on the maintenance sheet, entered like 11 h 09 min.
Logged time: 6 h 59 min
